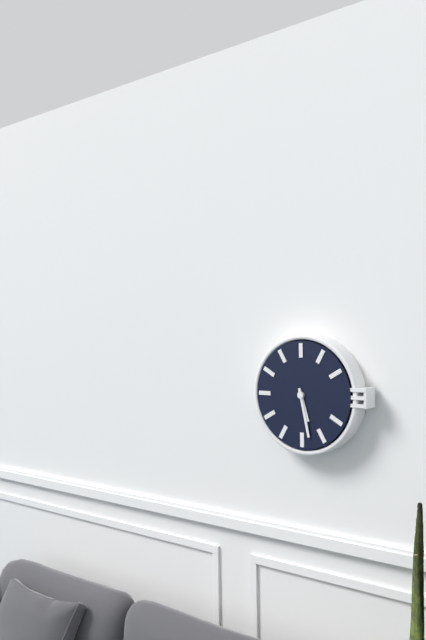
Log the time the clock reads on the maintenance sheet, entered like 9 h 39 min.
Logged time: 5 h 28 min
